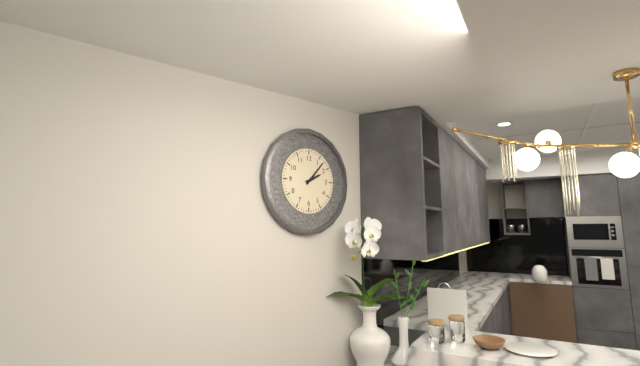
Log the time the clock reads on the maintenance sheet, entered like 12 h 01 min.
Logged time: 2 h 07 min
